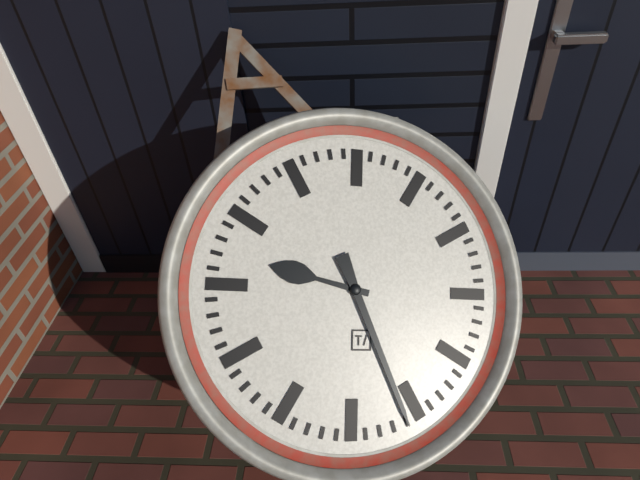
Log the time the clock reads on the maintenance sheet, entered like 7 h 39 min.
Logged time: 9 h 26 min
